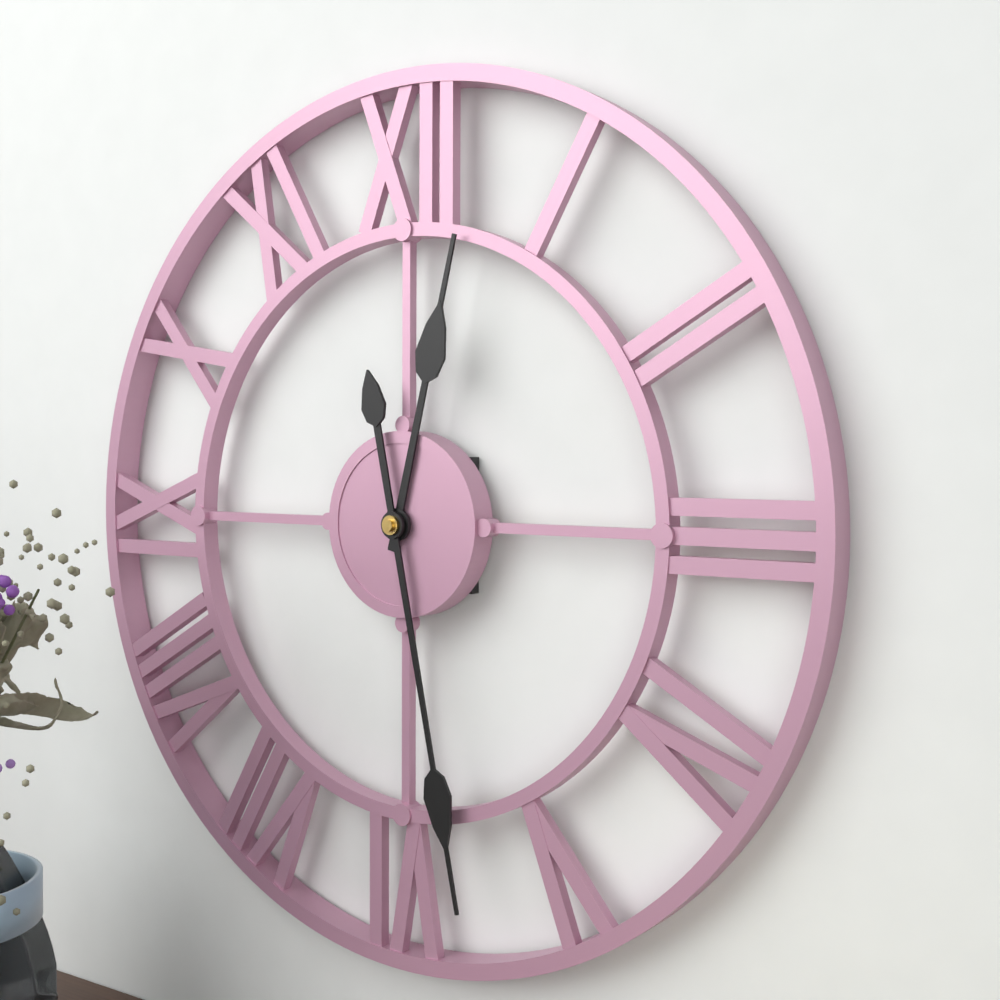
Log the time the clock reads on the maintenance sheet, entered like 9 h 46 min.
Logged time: 12 h 28 min
